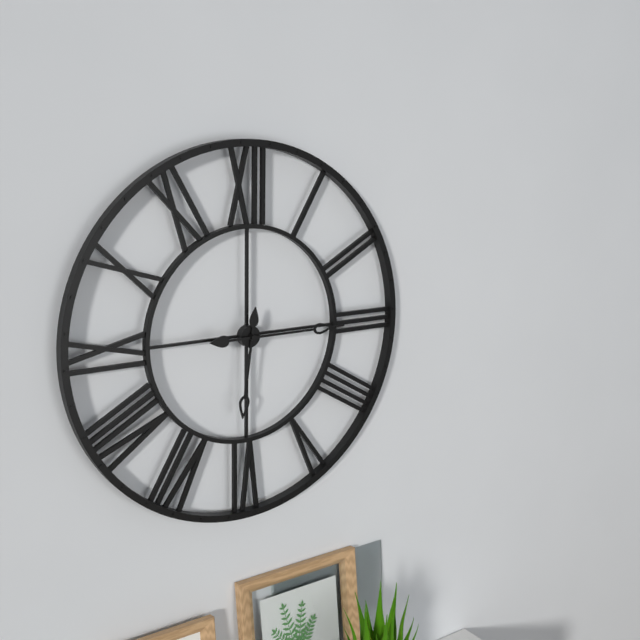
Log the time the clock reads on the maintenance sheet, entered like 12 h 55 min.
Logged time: 6 h 15 min
